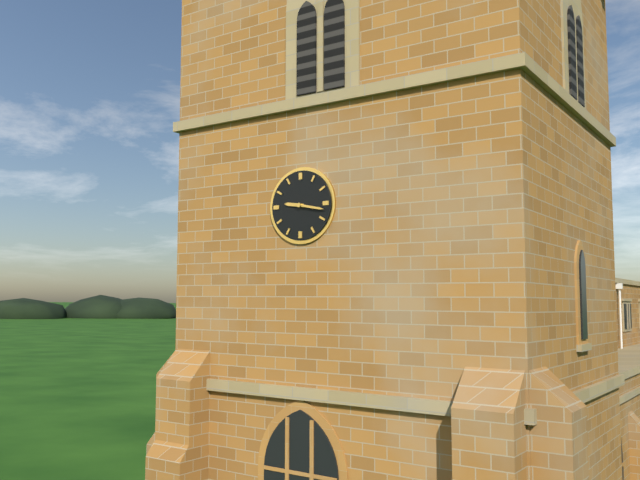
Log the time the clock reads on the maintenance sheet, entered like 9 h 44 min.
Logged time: 9 h 17 min
